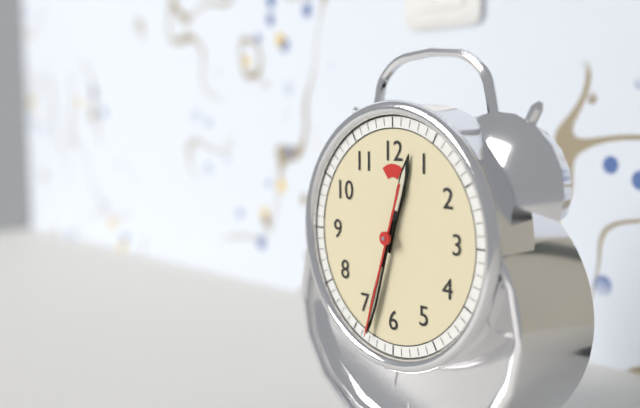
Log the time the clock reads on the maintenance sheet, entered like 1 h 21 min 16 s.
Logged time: 12 h 33 min 33 s
